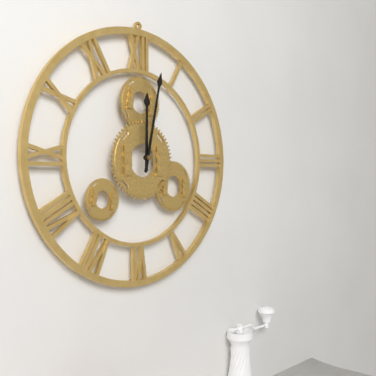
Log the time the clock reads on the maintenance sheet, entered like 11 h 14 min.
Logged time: 12 h 02 min
